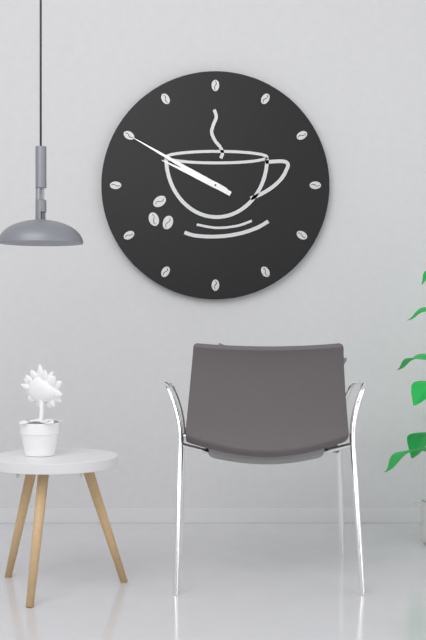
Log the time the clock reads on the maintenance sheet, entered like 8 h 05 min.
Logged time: 9 h 50 min
